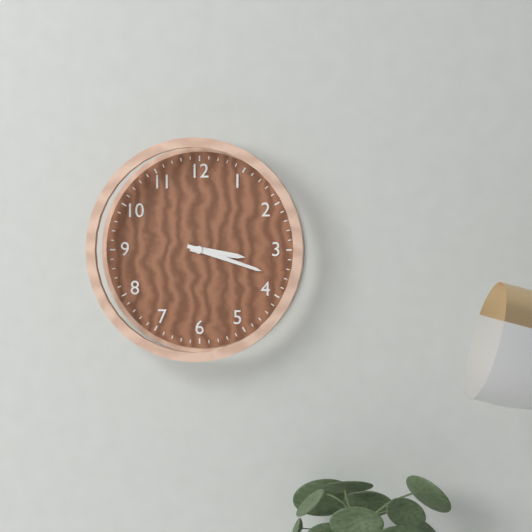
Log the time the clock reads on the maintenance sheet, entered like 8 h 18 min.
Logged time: 3 h 18 min
